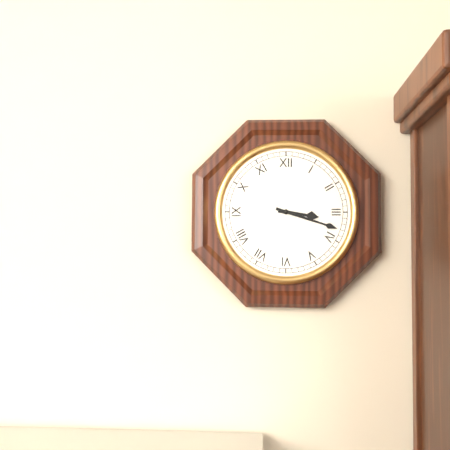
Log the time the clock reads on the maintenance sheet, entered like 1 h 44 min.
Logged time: 3 h 18 min
